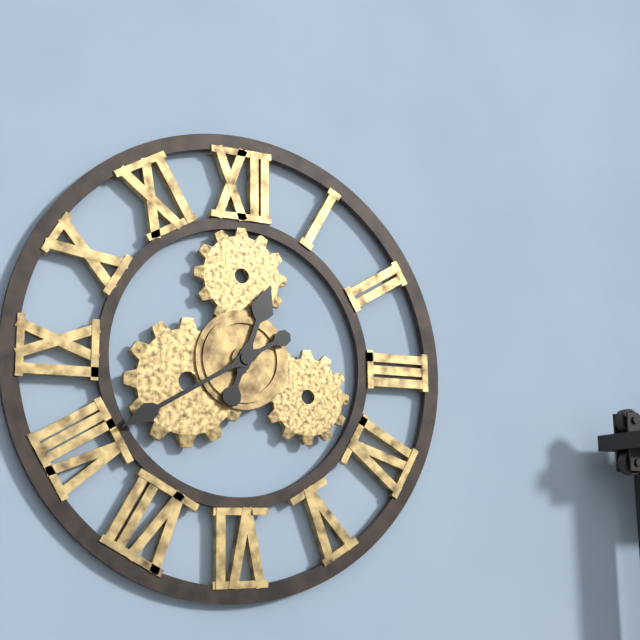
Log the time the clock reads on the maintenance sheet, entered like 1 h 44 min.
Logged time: 12 h 40 min
